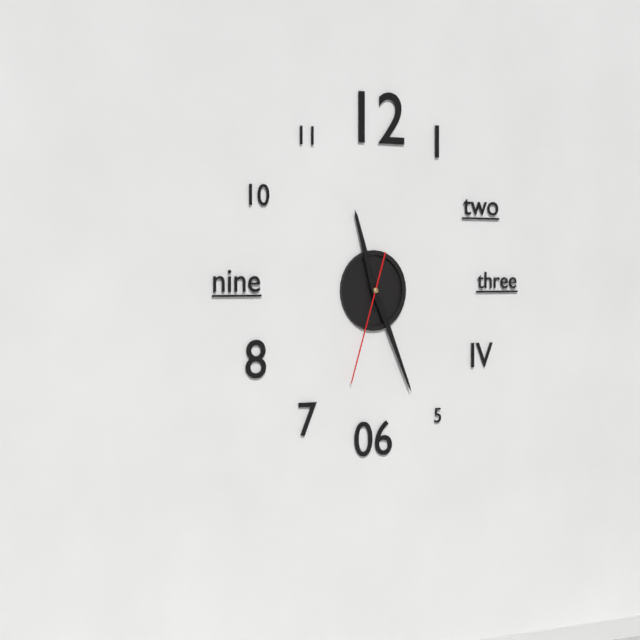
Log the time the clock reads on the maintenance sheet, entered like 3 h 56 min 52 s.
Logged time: 11 h 26 min 33 s
